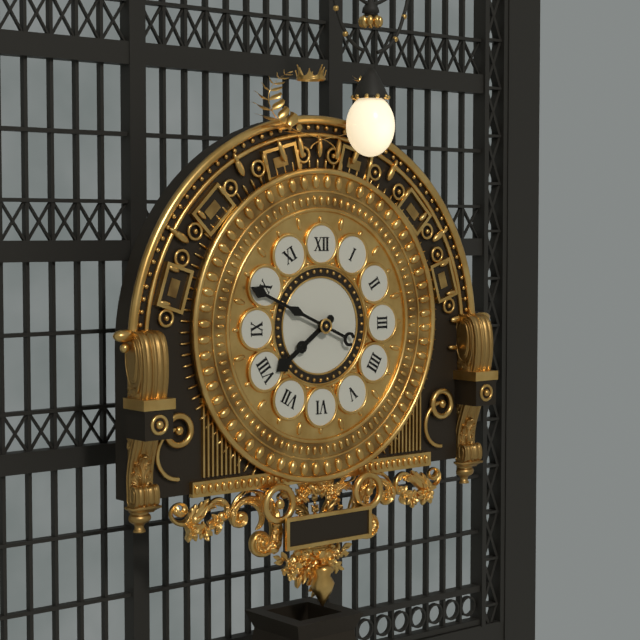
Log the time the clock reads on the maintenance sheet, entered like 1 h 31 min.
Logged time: 7 h 49 min
